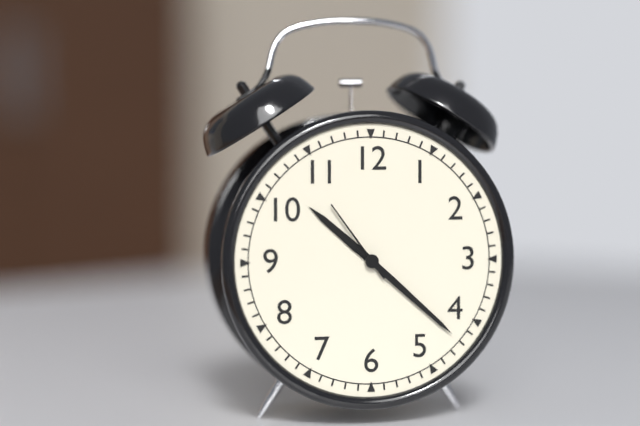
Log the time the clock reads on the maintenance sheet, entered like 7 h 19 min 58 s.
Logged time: 10 h 22 min 54 s
